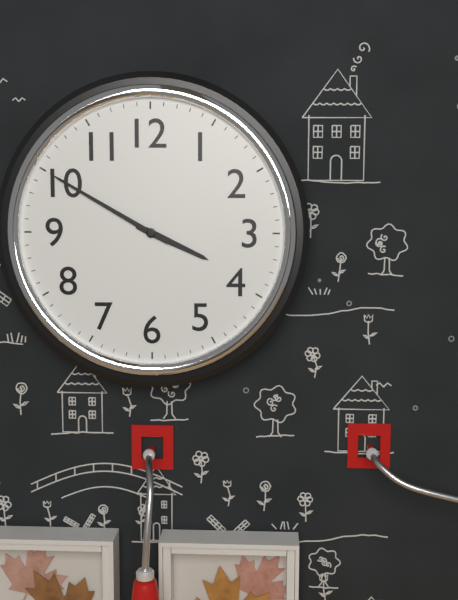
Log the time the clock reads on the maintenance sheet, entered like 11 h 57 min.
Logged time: 3 h 50 min
